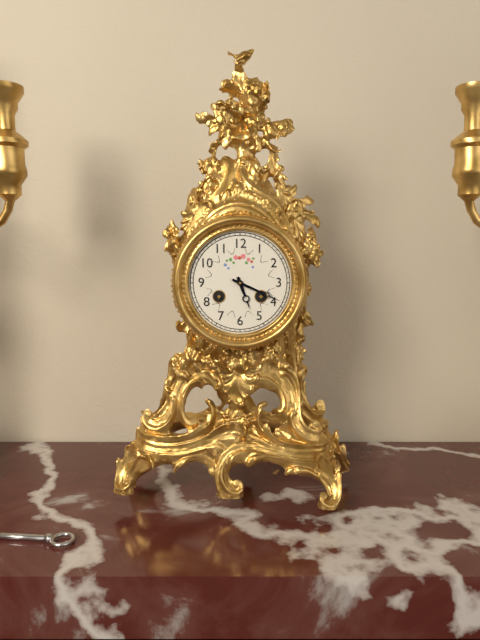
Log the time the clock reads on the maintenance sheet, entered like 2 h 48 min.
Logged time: 5 h 19 min
